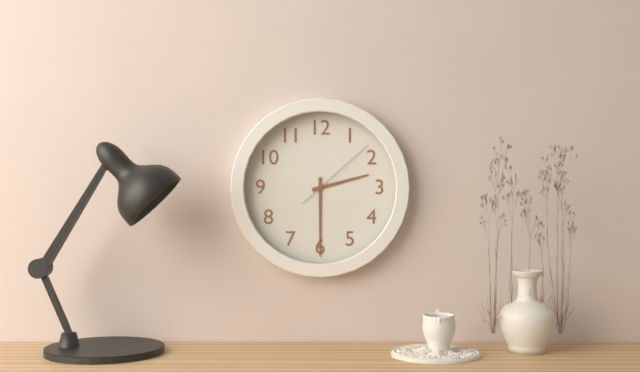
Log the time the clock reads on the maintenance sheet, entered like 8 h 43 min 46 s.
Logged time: 2 h 30 min 08 s
